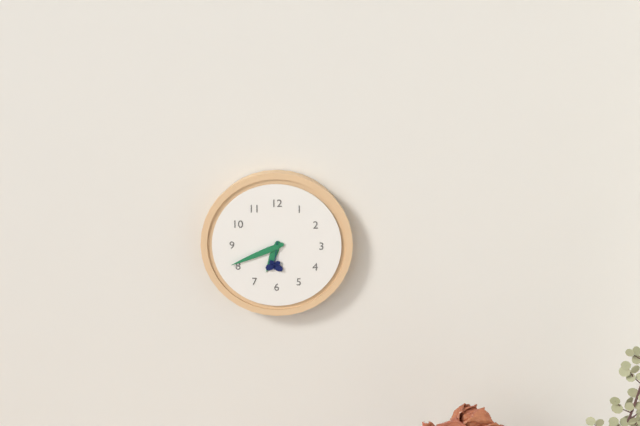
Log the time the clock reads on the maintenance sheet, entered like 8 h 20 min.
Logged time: 6 h 41 min
